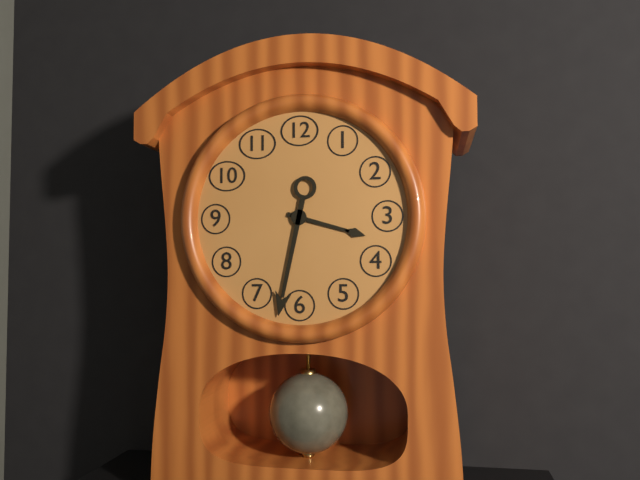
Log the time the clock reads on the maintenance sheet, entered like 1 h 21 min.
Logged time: 3 h 32 min
